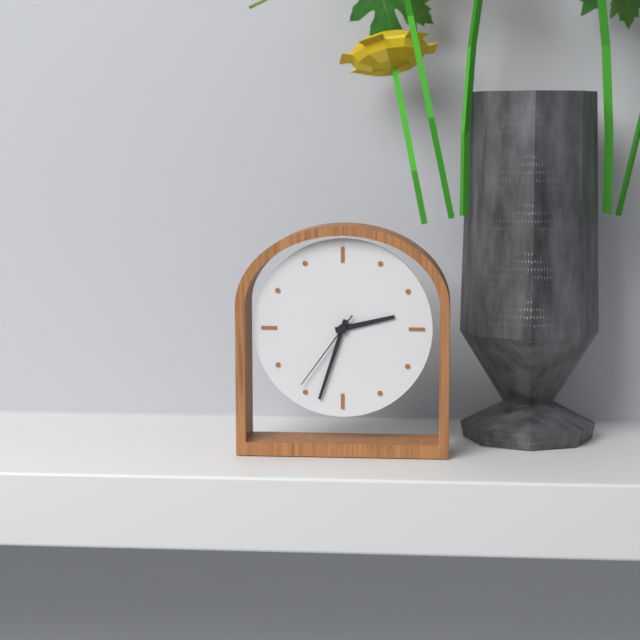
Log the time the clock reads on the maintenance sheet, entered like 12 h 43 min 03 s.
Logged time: 2 h 33 min 36 s
